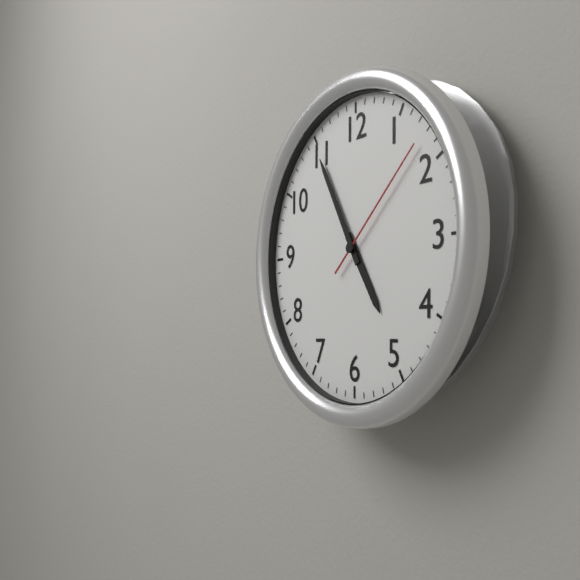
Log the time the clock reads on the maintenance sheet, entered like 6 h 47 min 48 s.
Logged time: 4 h 55 min 08 s
